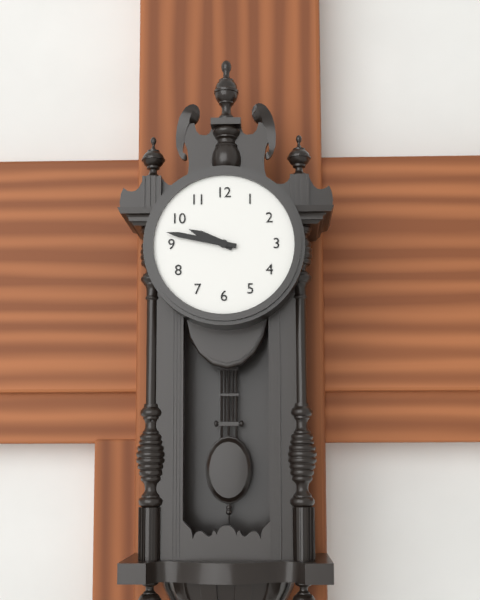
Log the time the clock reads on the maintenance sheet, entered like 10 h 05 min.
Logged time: 9 h 47 min
